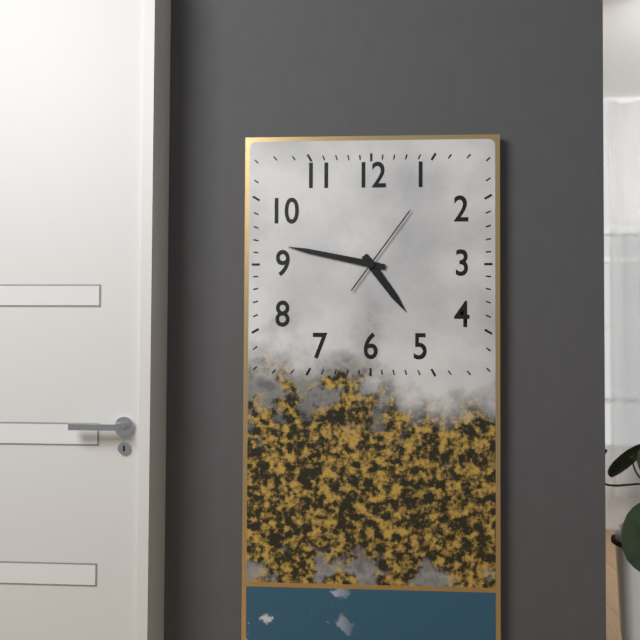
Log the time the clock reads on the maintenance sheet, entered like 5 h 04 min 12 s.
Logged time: 4 h 47 min 06 s
